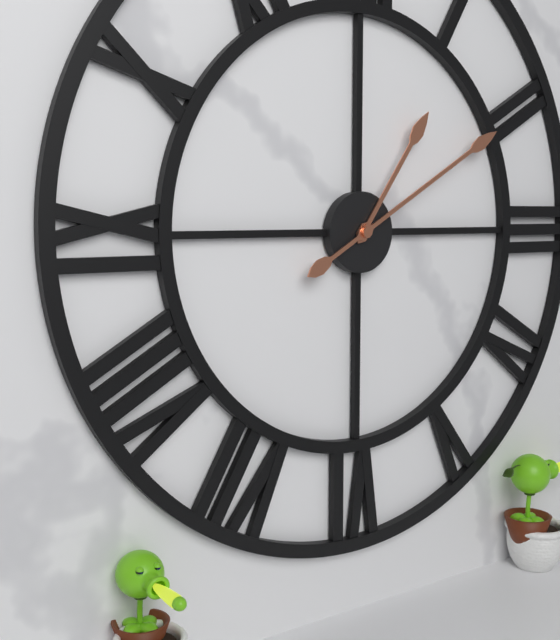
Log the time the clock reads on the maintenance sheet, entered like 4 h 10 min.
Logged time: 1 h 10 min
